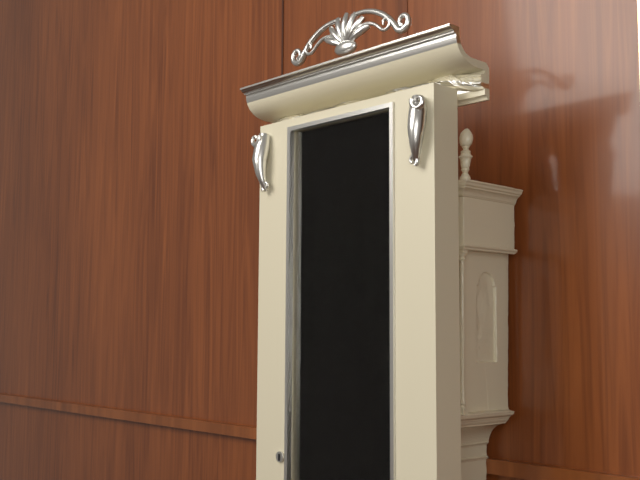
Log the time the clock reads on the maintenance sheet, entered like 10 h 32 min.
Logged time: 2 h 23 min
